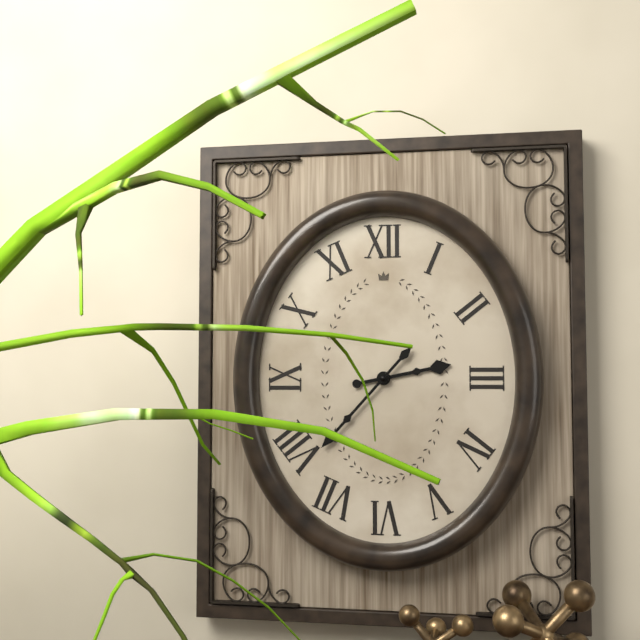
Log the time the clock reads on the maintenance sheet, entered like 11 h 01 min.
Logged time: 2 h 37 min
